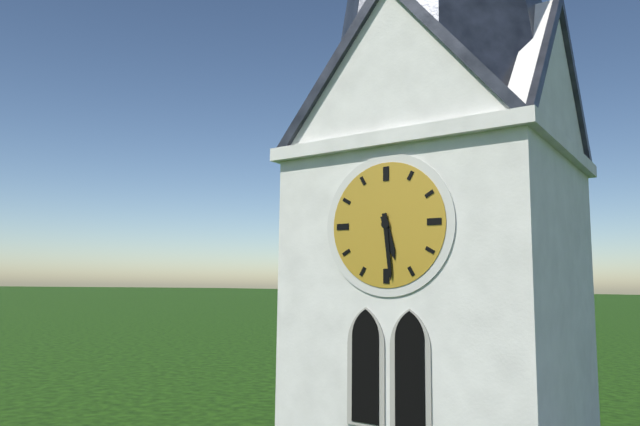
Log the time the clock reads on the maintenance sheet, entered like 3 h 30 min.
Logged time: 5 h 29 min
